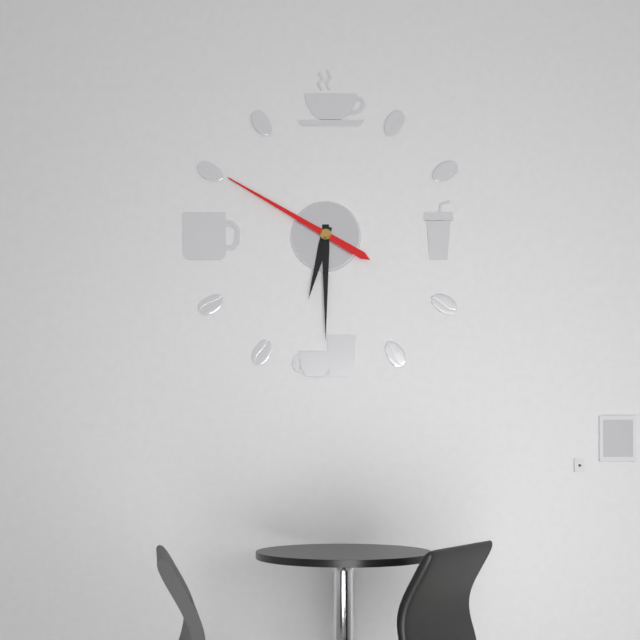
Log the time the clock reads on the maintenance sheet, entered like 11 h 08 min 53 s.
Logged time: 6 h 30 min 50 s
